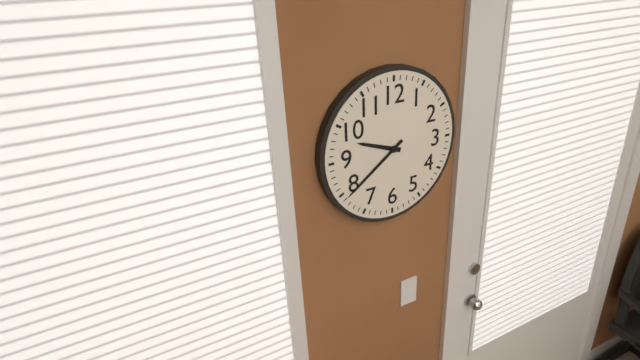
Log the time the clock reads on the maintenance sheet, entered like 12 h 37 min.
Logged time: 9 h 39 min
